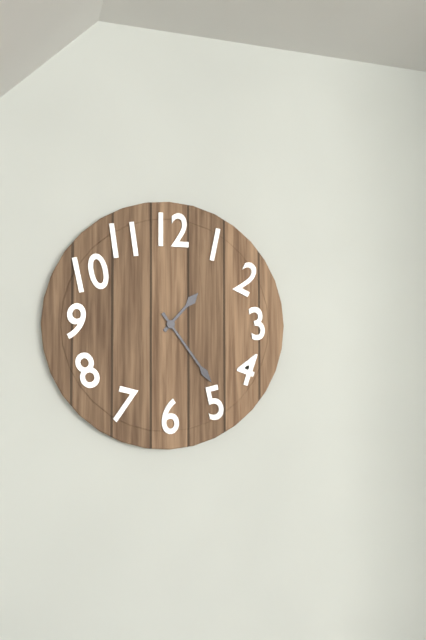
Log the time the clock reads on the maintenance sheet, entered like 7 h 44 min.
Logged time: 1 h 24 min
